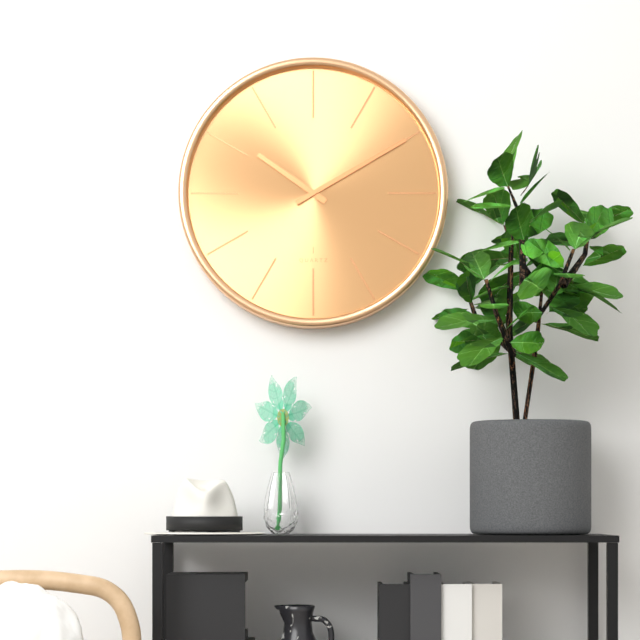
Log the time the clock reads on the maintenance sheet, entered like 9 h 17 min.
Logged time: 10 h 10 min
